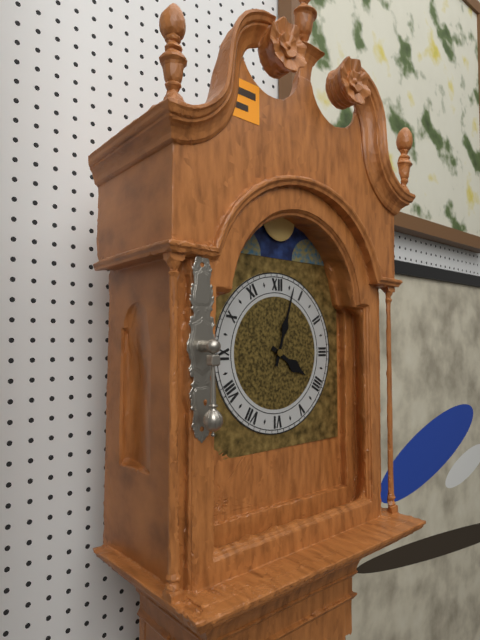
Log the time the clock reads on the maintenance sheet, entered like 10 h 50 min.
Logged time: 4 h 03 min
